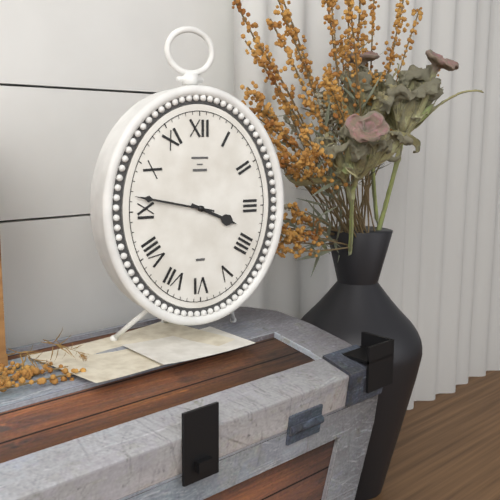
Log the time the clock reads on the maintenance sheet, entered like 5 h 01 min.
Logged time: 3 h 47 min
